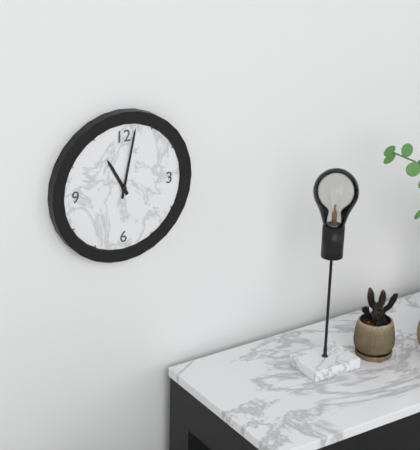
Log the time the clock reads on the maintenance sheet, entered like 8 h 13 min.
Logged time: 11 h 02 min
